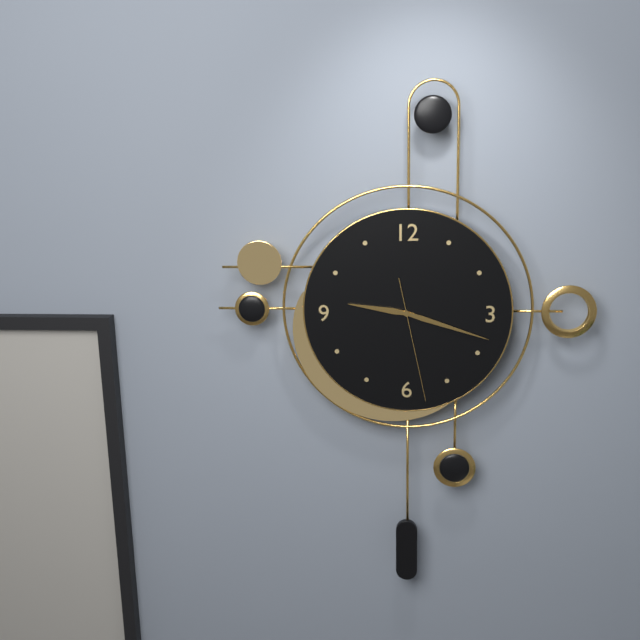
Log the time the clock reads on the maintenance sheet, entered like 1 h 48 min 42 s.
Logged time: 9 h 18 min 28 s
